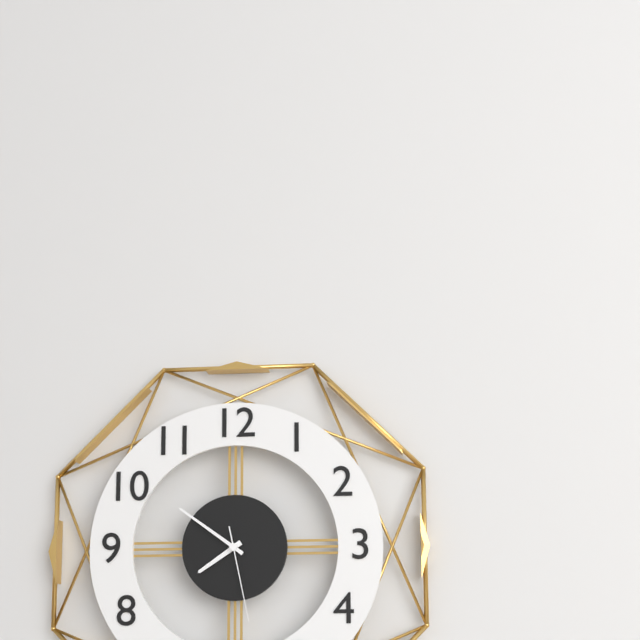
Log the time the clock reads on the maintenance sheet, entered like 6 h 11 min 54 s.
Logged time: 7 h 51 min 28 s
